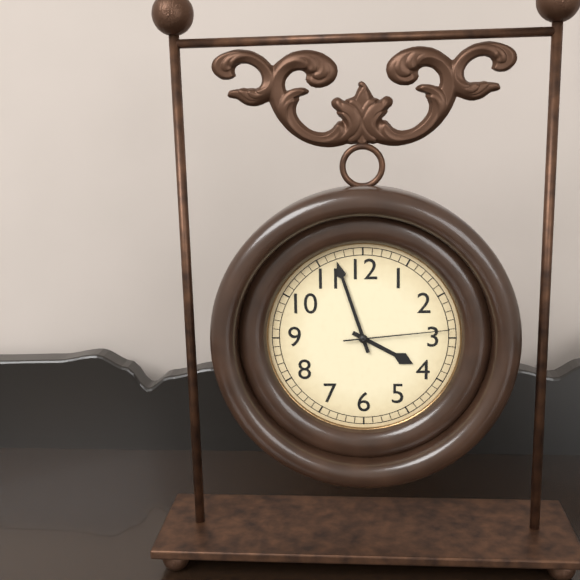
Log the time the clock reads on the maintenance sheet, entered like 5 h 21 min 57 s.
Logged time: 3 h 57 min 14 s
